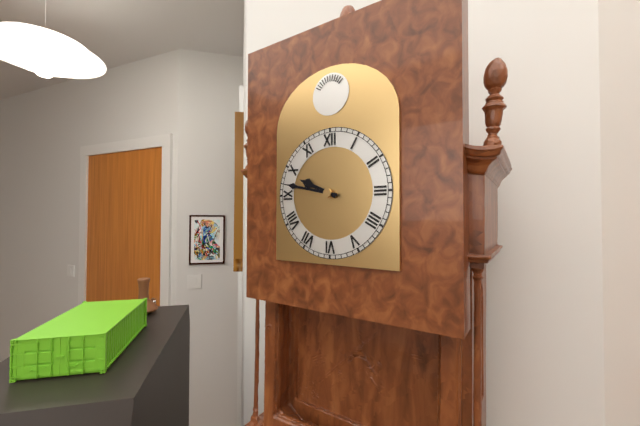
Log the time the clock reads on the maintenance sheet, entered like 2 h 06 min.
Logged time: 9 h 47 min
